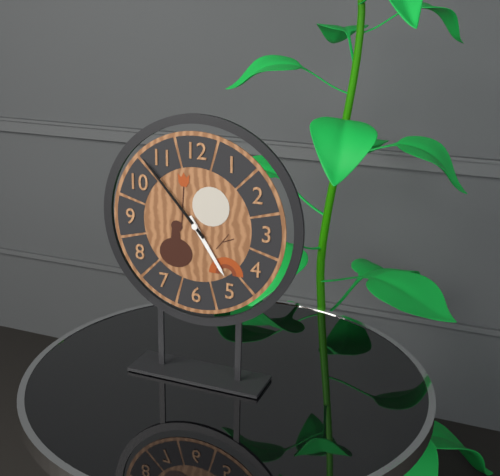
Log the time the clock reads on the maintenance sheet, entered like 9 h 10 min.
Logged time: 4 h 53 min
